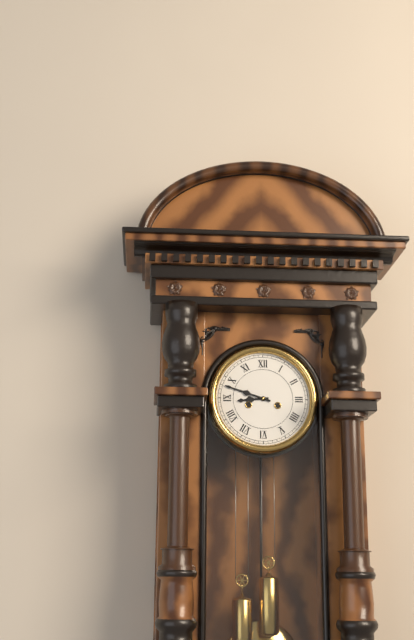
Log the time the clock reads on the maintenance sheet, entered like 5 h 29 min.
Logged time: 8 h 48 min
